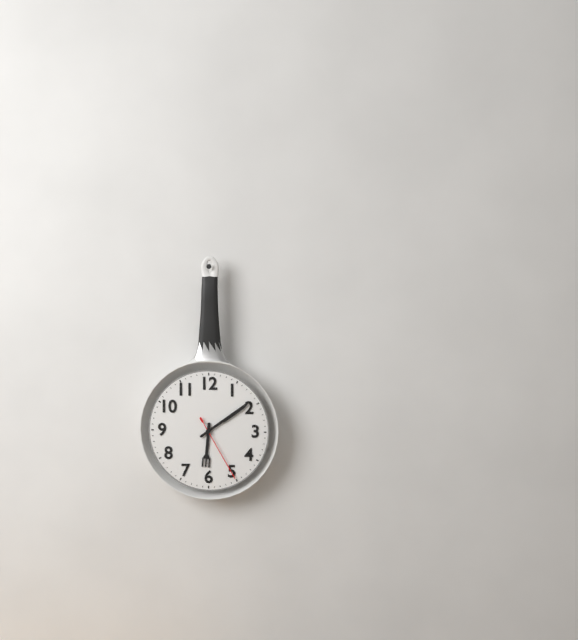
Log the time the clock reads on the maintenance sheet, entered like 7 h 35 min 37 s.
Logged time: 6 h 09 min 25 s
